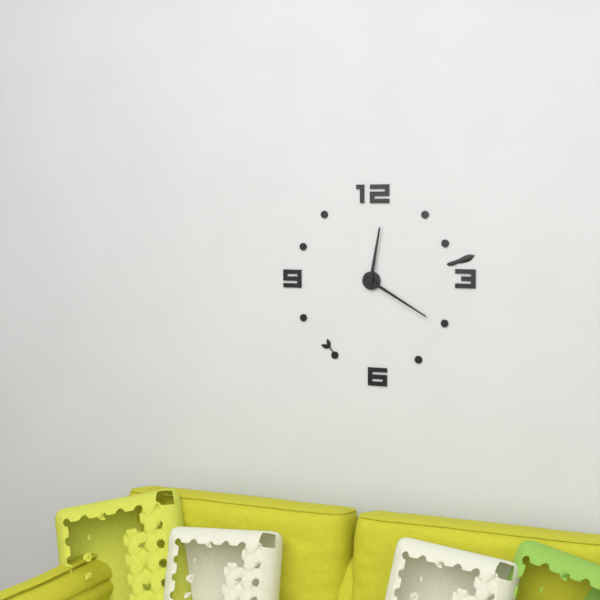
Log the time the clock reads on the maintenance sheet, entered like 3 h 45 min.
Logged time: 12 h 20 min
